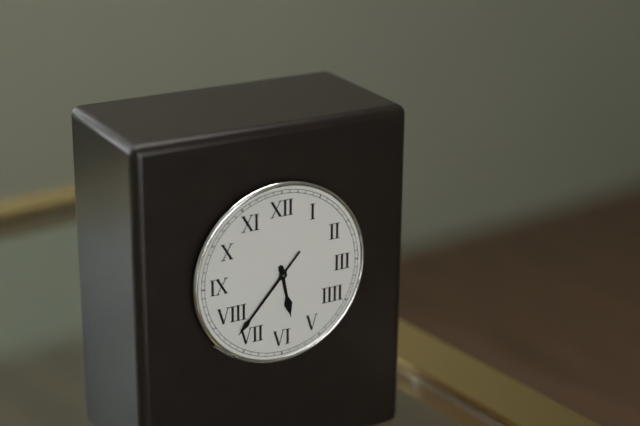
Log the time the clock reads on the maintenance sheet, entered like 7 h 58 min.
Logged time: 5 h 37 min
